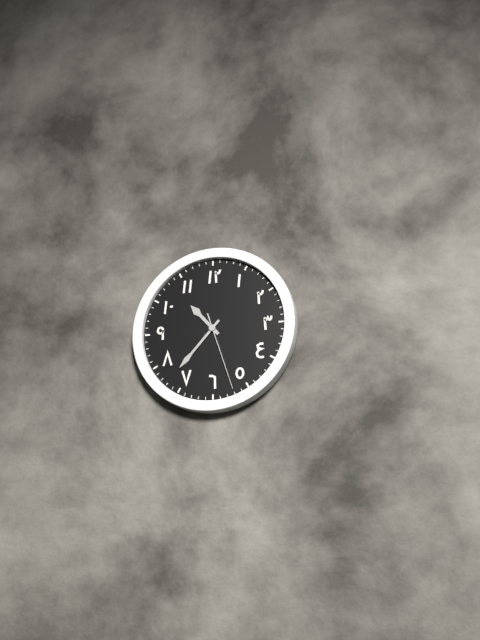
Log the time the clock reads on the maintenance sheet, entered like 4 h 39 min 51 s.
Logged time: 10 h 37 min 27 s
